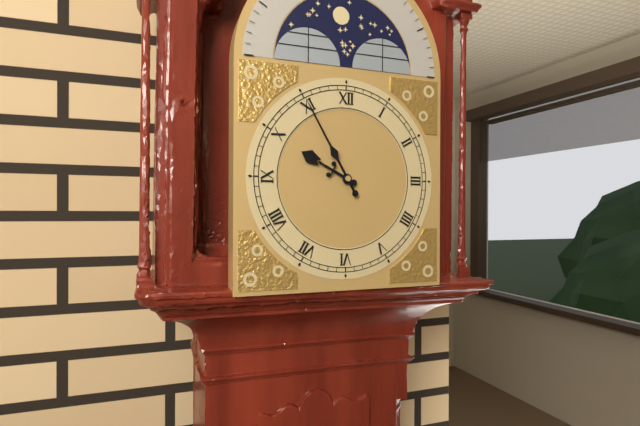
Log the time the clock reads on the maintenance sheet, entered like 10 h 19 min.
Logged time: 9 h 55 min
